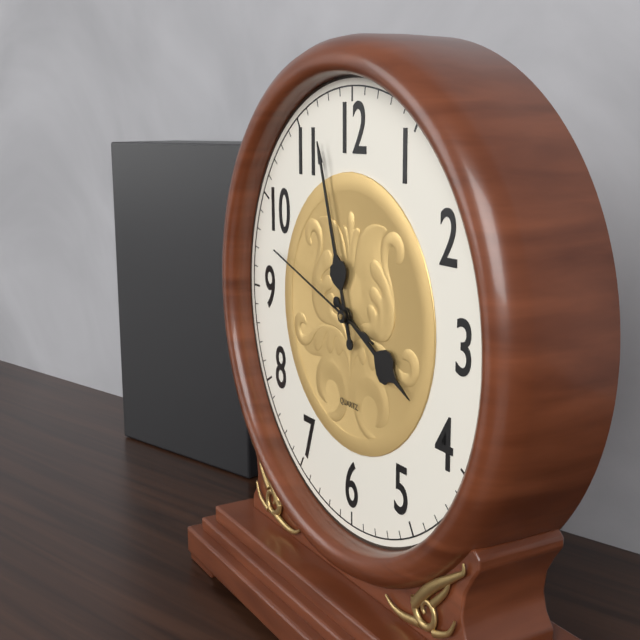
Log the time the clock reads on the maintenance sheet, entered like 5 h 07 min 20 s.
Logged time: 3 h 57 min 48 s
